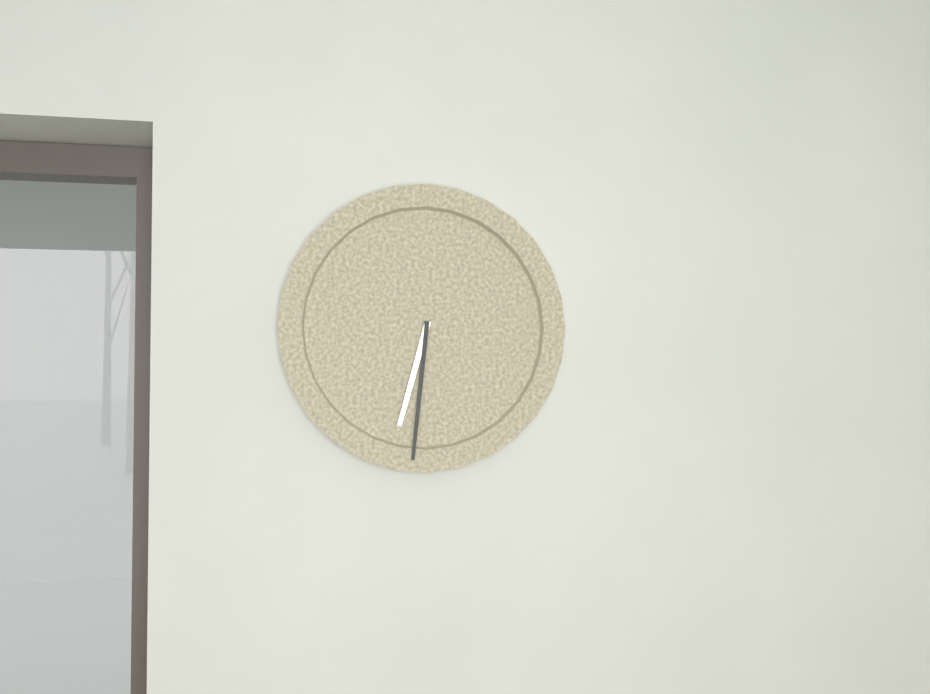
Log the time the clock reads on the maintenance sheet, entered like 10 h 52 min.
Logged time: 6 h 31 min
